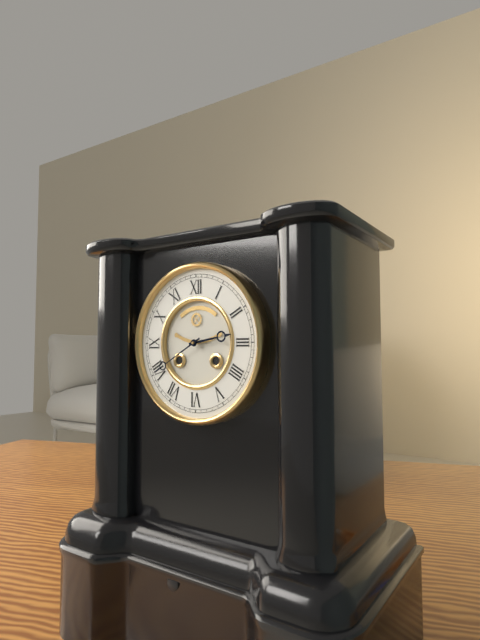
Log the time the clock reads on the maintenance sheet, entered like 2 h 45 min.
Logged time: 2 h 40 min
